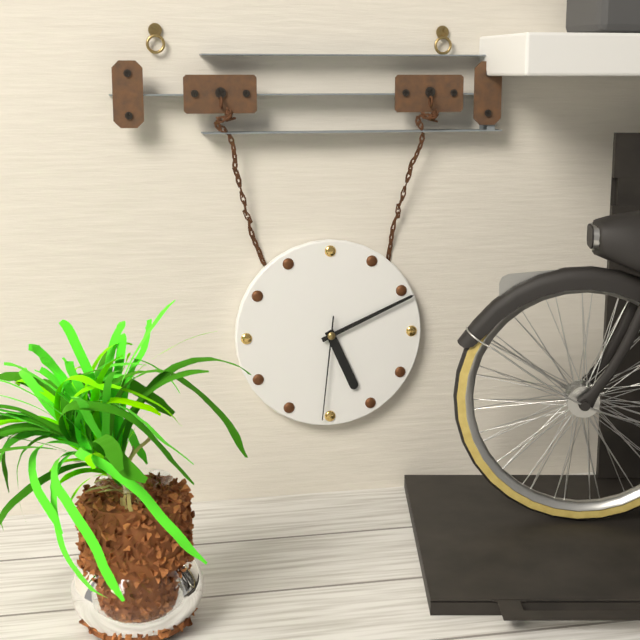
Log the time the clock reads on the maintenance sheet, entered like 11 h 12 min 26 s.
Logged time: 5 h 11 min 31 s
